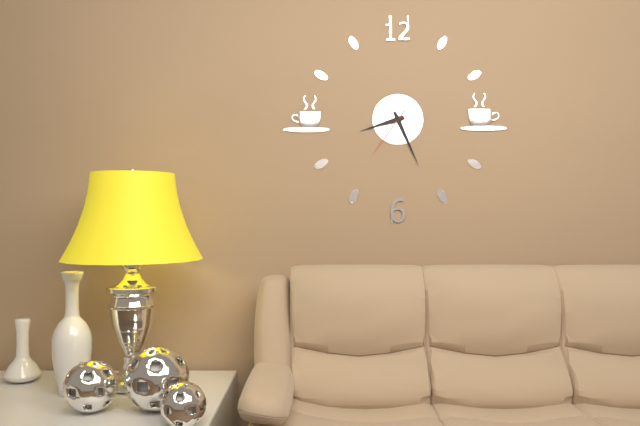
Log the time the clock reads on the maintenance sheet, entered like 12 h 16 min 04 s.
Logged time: 8 h 26 min 36 s
